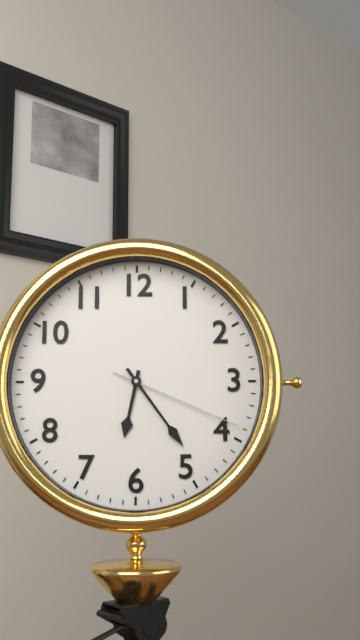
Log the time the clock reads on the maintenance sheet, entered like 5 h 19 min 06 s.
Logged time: 6 h 24 min 19 s
